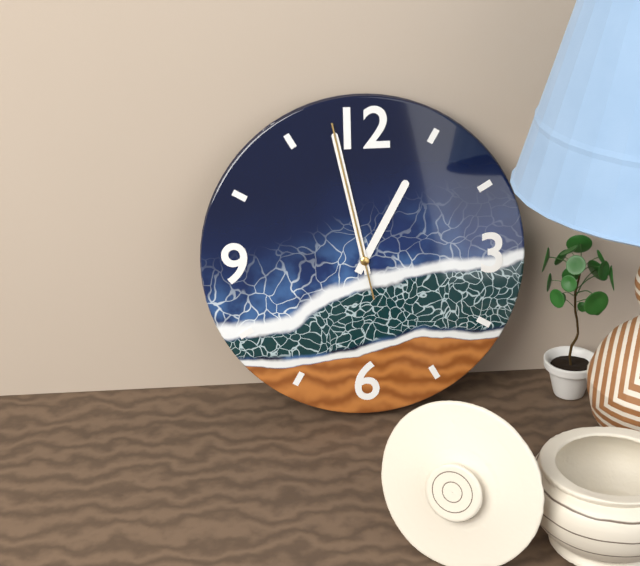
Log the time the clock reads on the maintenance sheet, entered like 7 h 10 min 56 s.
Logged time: 12 h 58 min 58 s
